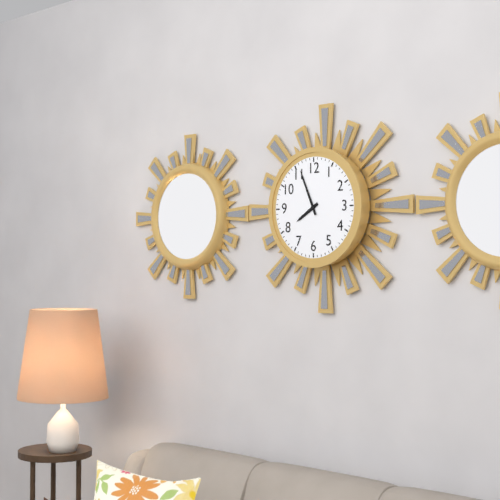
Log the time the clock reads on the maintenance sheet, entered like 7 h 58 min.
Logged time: 7 h 56 min
